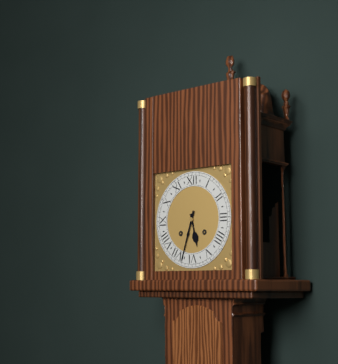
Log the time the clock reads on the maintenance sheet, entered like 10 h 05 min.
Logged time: 5 h 33 min
